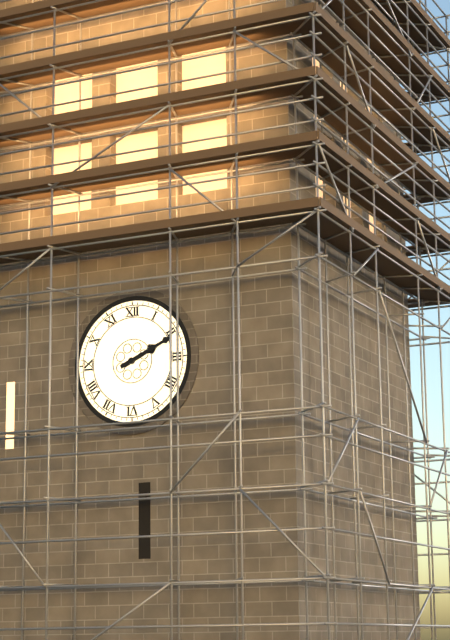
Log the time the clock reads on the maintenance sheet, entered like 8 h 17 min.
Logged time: 2 h 11 min
